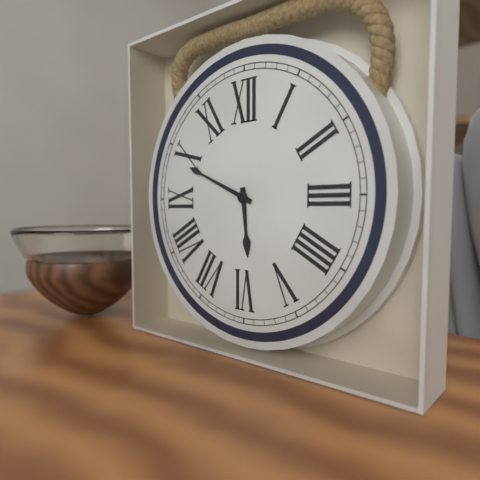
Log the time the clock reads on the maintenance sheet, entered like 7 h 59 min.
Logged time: 5 h 49 min
